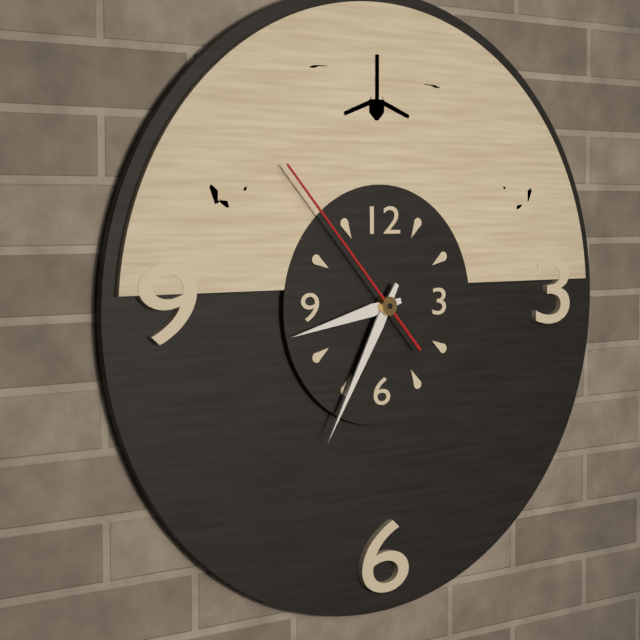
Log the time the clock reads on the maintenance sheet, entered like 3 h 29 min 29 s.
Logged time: 8 h 35 min 53 s
